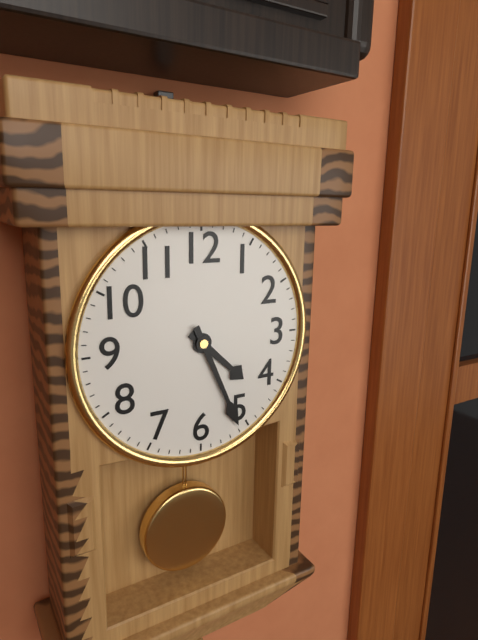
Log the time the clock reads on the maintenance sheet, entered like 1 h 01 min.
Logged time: 4 h 26 min
